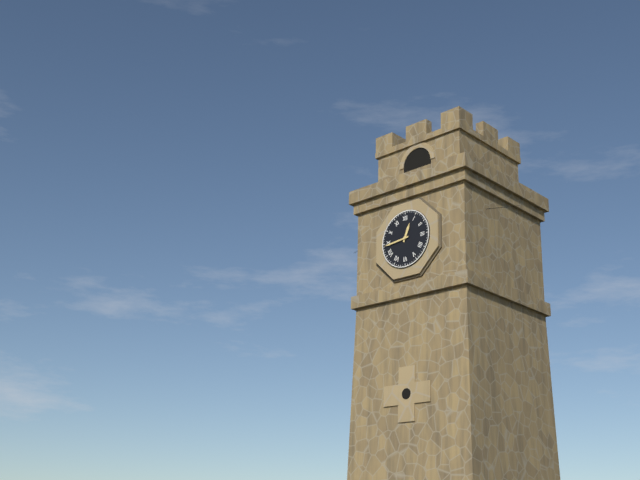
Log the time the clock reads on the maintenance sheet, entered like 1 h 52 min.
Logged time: 12 h 44 min
